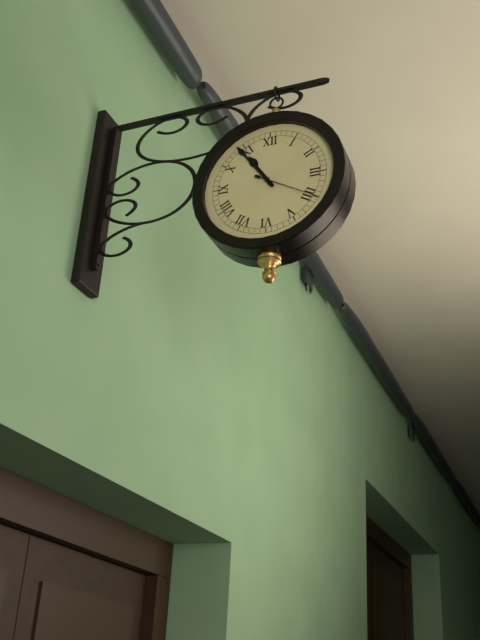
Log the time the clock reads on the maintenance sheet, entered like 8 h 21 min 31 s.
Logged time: 10 h 54 min 20 s
